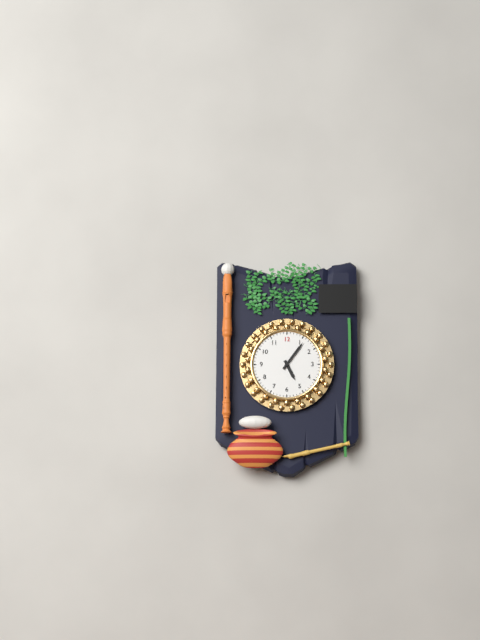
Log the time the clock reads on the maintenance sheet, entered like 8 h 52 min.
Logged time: 5 h 06 min
